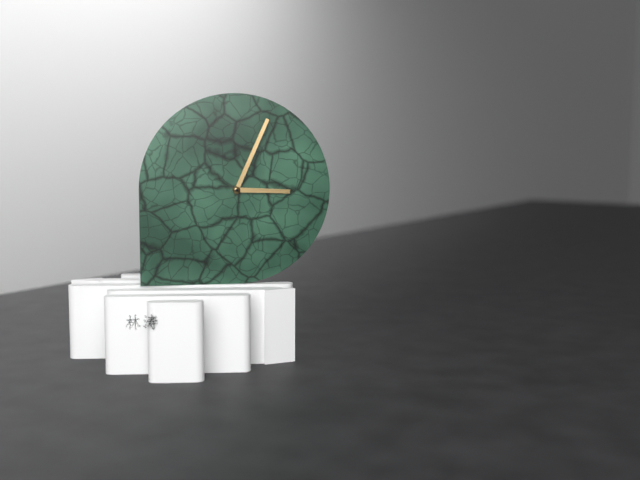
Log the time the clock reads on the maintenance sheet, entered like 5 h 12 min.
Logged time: 3 h 04 min
